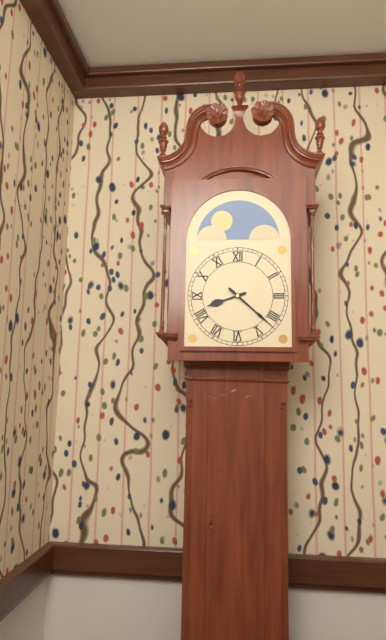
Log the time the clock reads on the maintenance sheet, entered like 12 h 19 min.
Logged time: 8 h 22 min
